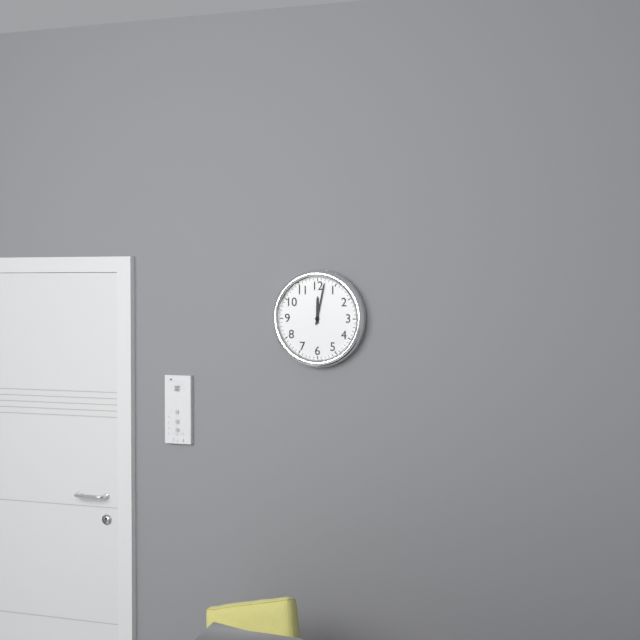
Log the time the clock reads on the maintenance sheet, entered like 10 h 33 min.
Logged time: 12 h 02 min
